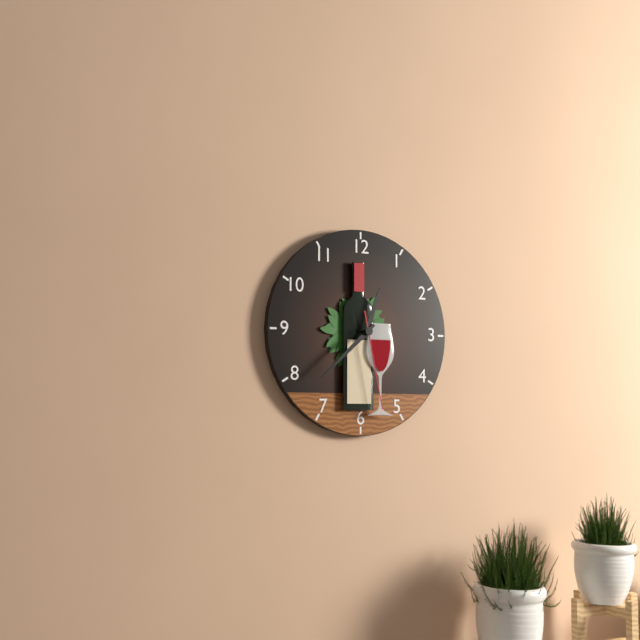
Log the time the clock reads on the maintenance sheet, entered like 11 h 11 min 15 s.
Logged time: 12 h 38 min 28 s
